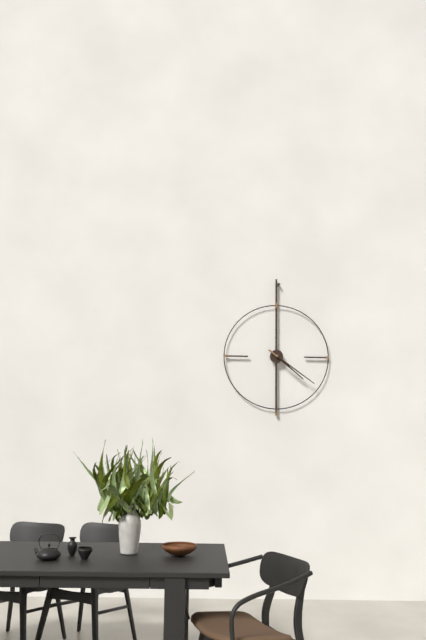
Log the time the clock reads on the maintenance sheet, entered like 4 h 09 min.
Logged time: 4 h 21 min
